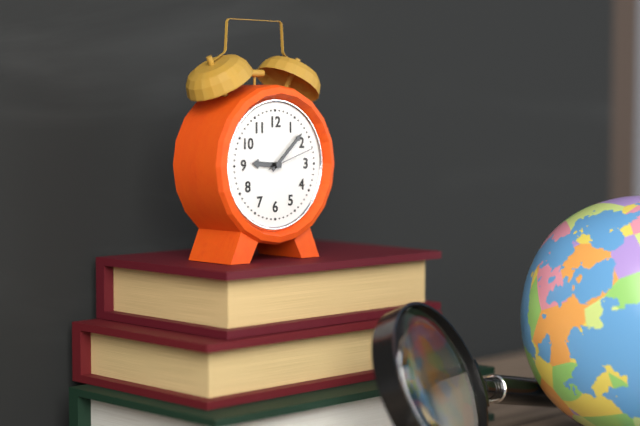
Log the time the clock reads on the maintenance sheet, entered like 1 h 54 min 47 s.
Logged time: 9 h 08 min 12 s
